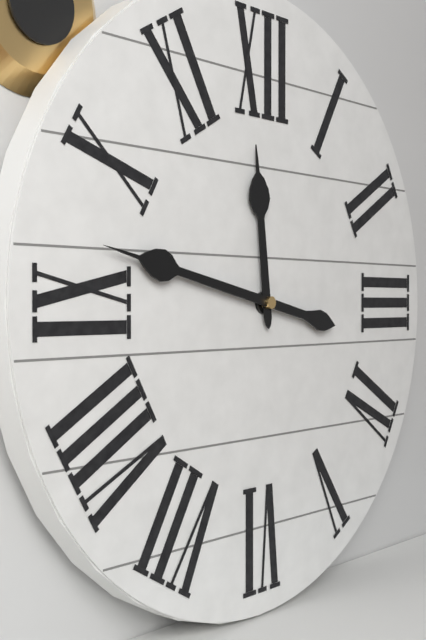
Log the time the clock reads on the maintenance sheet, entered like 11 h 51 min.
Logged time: 11 h 47 min
